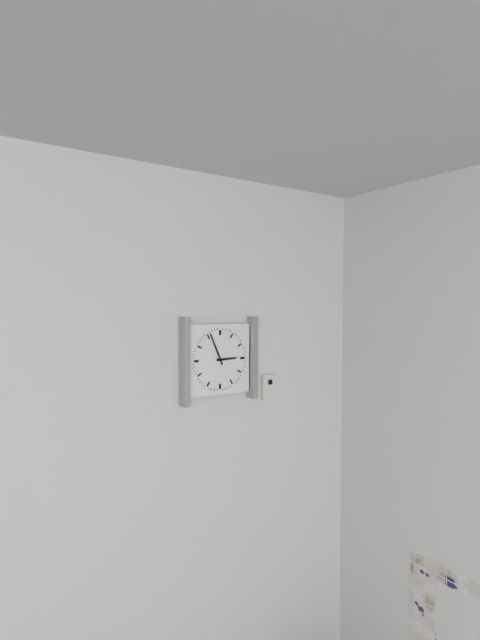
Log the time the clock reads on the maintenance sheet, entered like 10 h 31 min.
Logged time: 2 h 56 min
